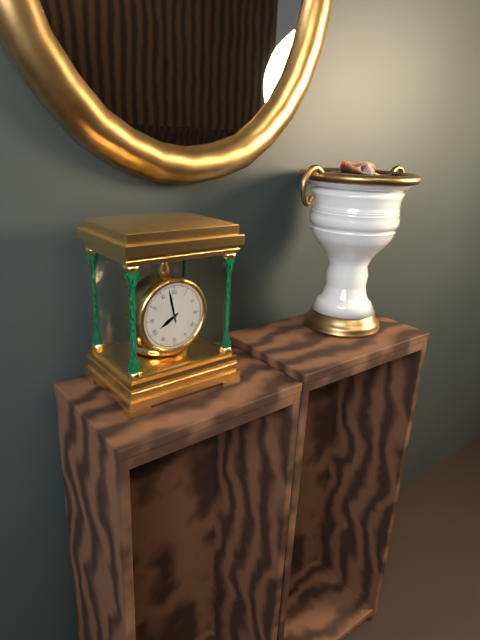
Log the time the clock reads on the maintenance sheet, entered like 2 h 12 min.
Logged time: 7 h 58 min
